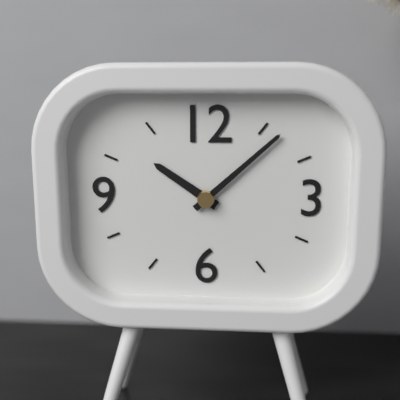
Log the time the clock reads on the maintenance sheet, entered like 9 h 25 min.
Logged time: 10 h 08 min
